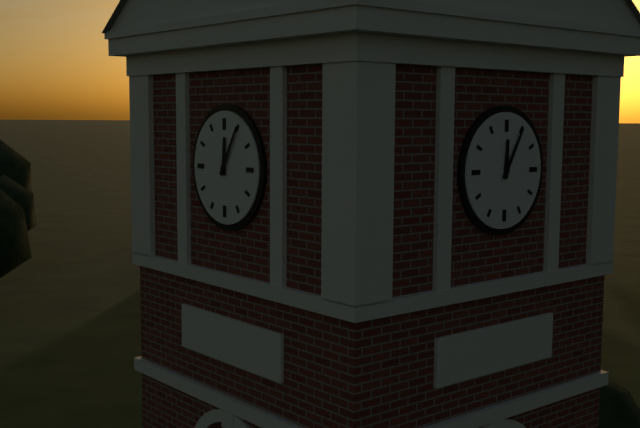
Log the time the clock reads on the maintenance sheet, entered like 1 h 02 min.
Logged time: 12 h 05 min
